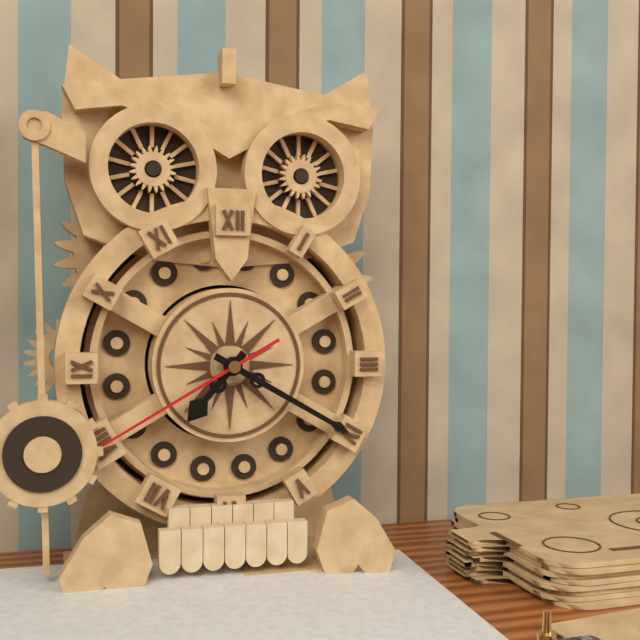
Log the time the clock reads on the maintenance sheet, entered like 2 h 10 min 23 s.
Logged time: 7 h 20 min 40 s
